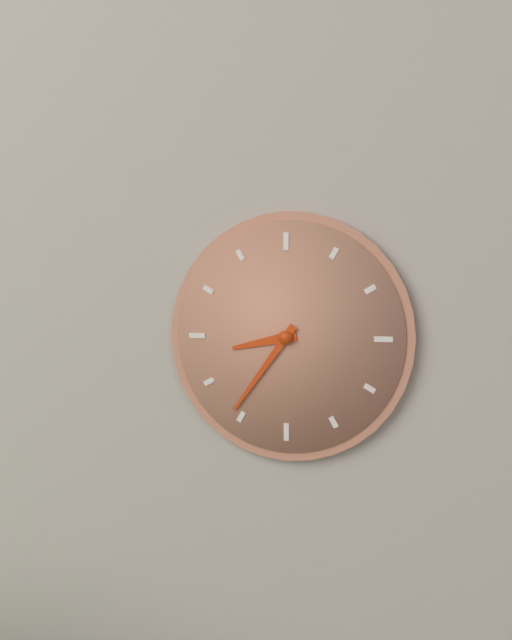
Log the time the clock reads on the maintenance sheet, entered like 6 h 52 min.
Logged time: 8 h 36 min
